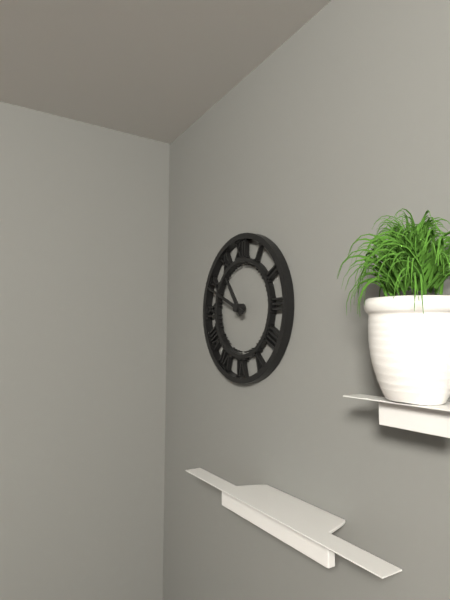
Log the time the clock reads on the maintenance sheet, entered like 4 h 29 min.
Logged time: 10 h 49 min
